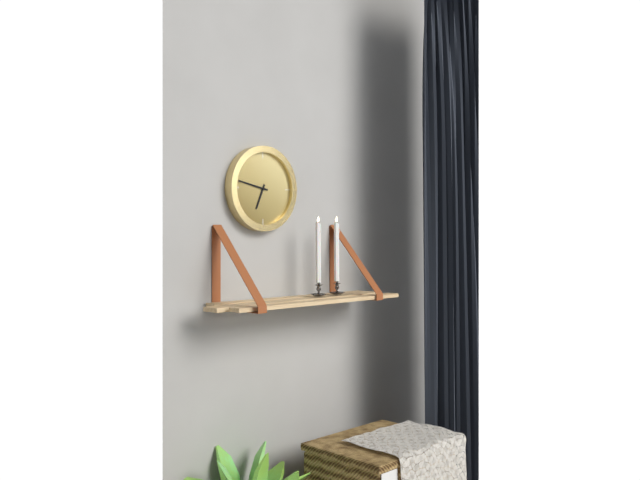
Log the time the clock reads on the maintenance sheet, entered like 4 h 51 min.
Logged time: 6 h 47 min
